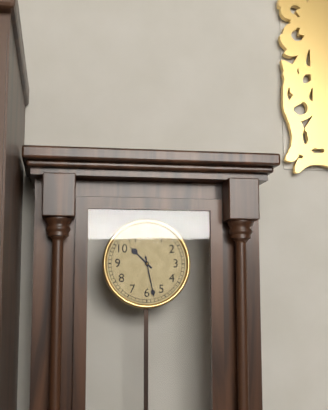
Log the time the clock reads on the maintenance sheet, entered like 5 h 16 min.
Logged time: 10 h 28 min
